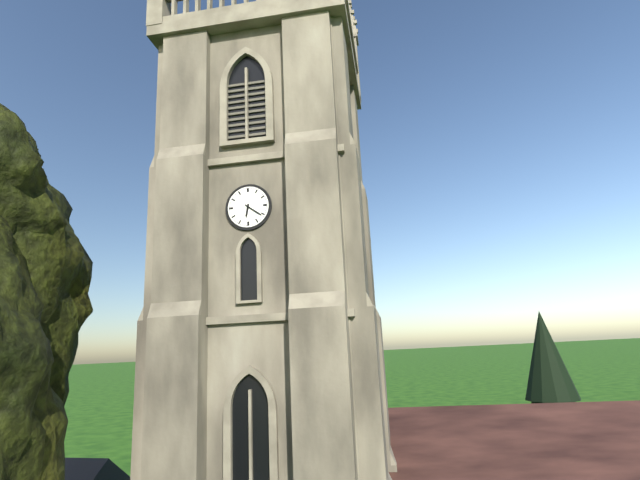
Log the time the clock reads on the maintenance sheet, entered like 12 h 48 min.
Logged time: 6 h 21 min
